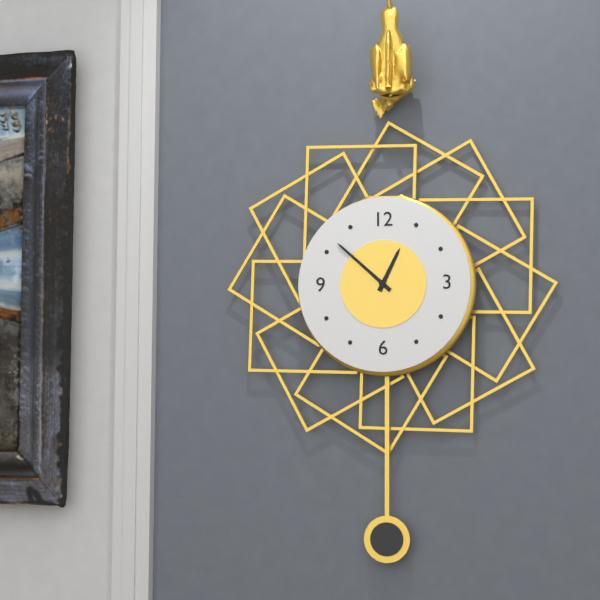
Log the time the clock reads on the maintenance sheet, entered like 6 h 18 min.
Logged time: 12 h 52 min
